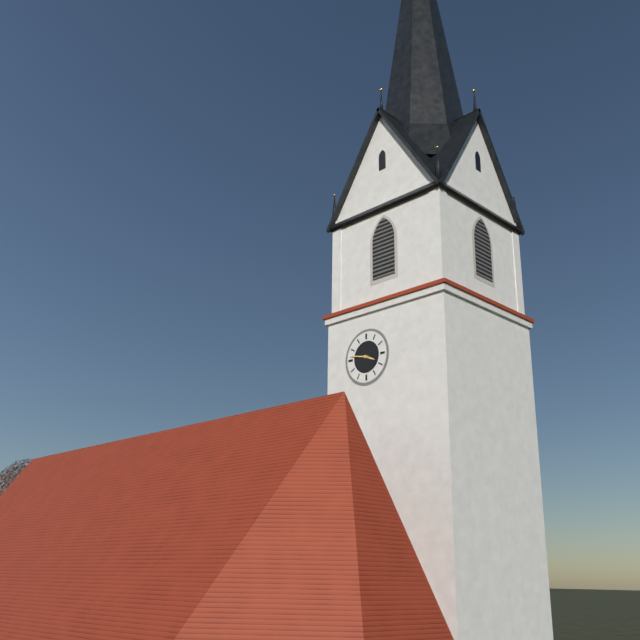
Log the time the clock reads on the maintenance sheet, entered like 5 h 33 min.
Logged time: 3 h 47 min
